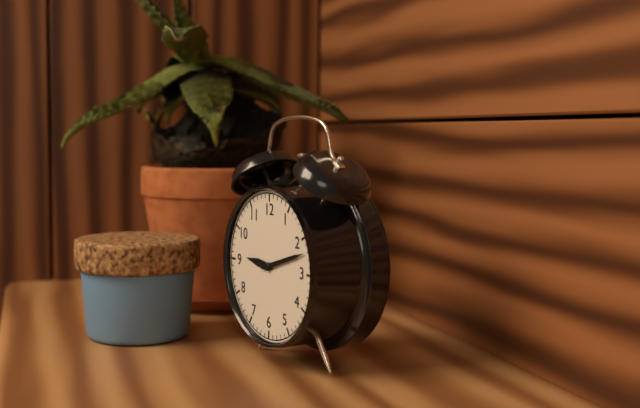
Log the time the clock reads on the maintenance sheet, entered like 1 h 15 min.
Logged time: 9 h 12 min
